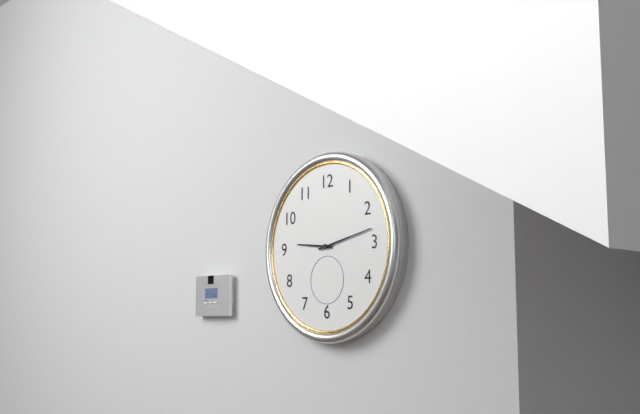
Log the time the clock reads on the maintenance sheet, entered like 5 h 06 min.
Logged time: 9 h 13 min
